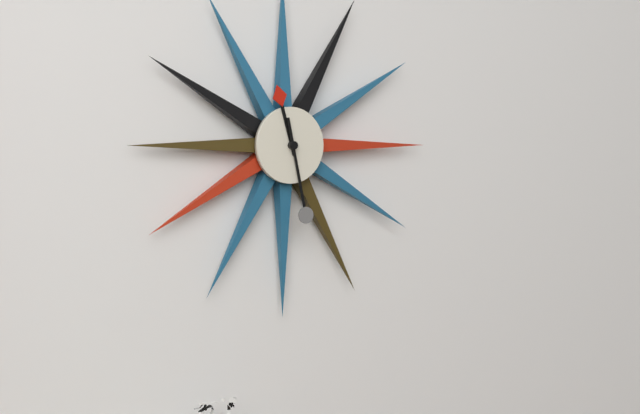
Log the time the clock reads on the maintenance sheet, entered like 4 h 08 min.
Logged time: 11 h 28 min
